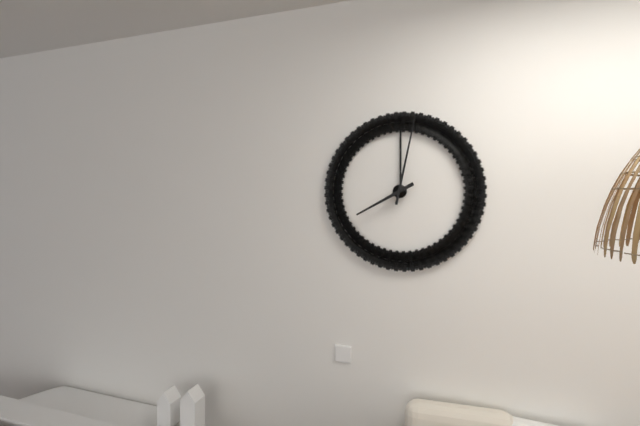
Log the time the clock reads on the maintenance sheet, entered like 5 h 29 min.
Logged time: 8 h 02 min
